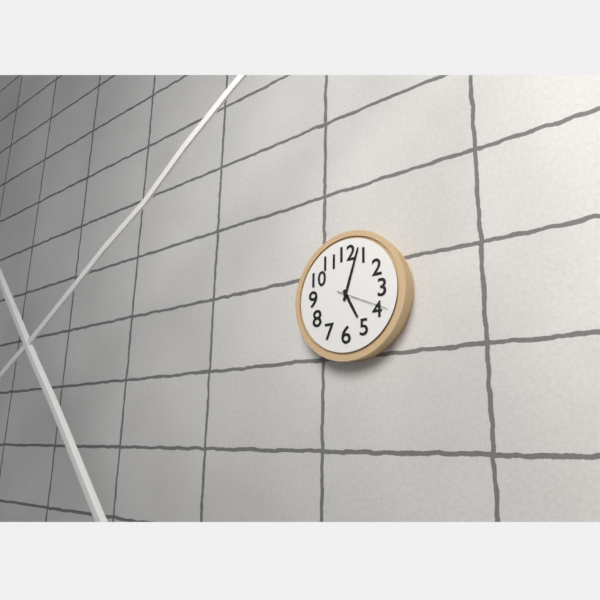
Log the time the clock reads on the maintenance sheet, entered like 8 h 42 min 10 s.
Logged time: 5 h 03 min 19 s
